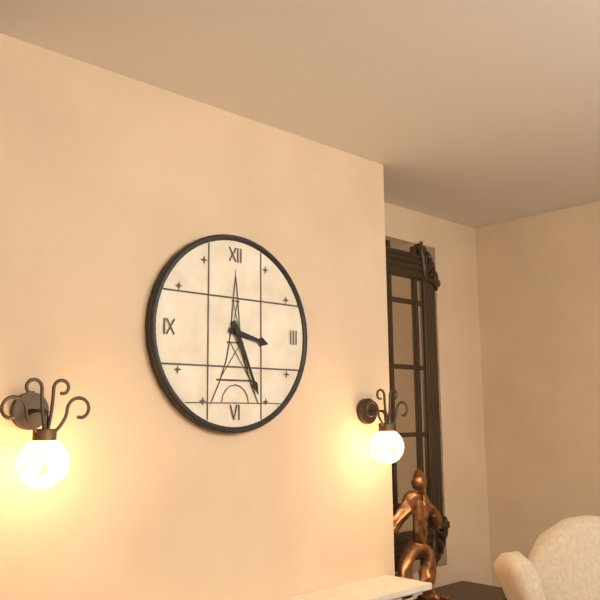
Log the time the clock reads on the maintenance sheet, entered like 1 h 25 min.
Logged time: 3 h 26 min
